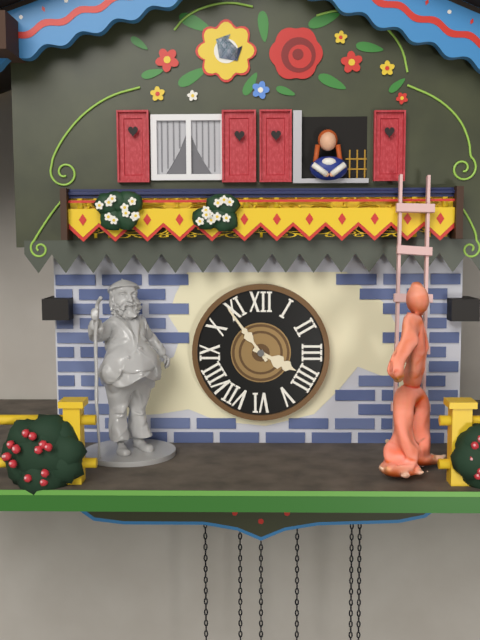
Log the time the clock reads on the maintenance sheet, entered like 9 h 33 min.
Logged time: 3 h 54 min
